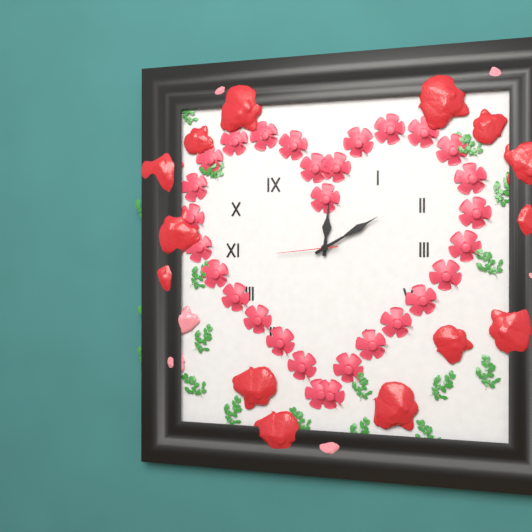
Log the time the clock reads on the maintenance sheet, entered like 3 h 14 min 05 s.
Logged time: 12 h 10 min 44 s
